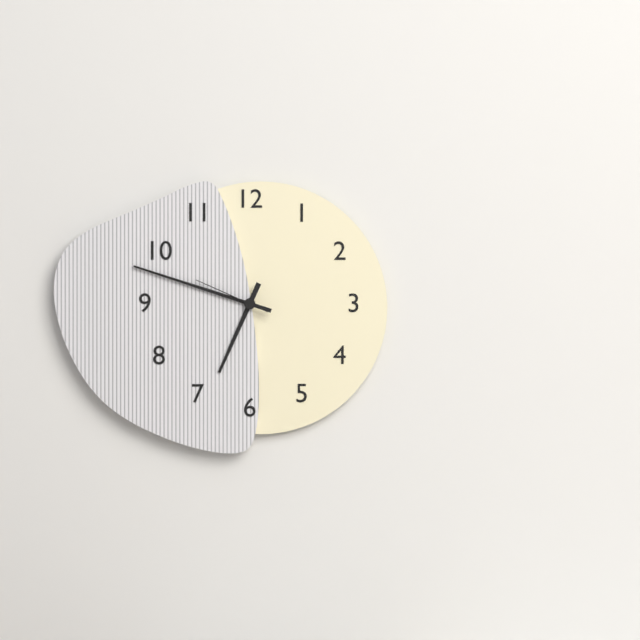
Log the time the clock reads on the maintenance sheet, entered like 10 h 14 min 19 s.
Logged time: 6 h 48 min 49 s
